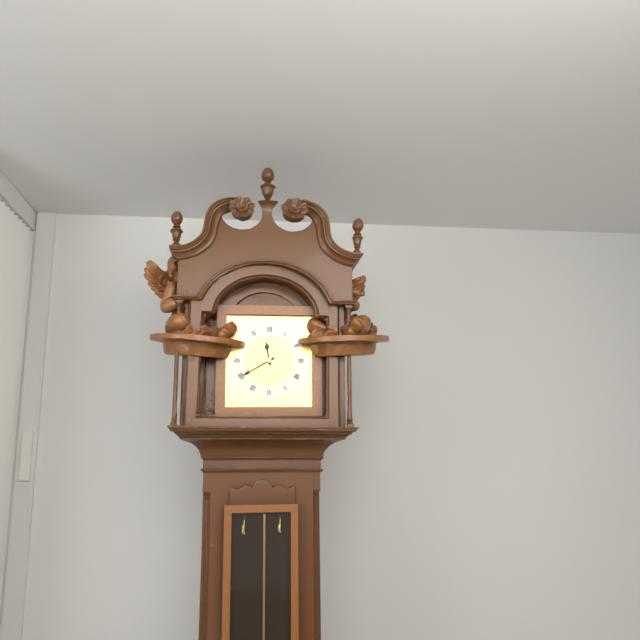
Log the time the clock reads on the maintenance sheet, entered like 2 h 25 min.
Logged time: 11 h 40 min
